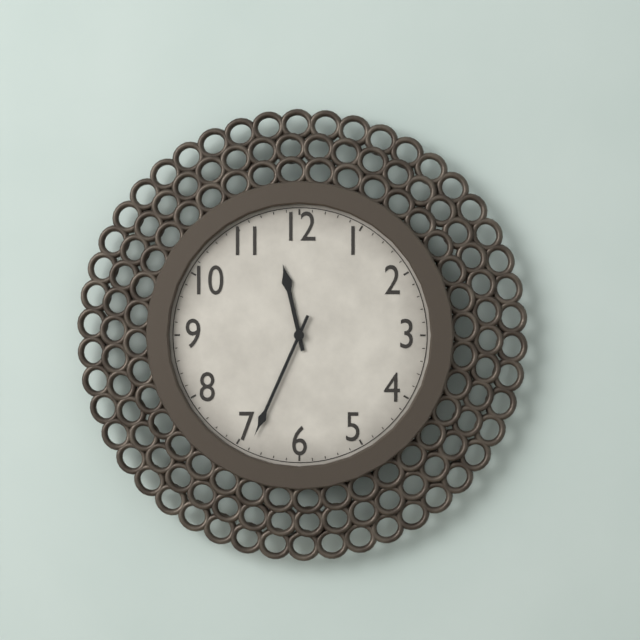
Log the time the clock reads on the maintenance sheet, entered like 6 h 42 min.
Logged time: 11 h 34 min
